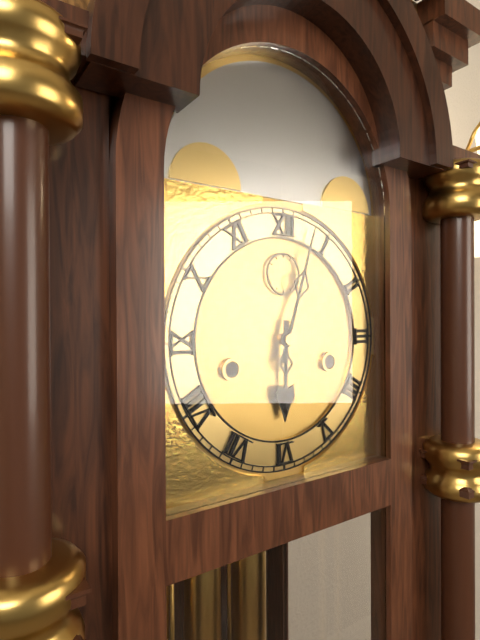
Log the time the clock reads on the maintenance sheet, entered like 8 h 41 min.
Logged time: 6 h 03 min
